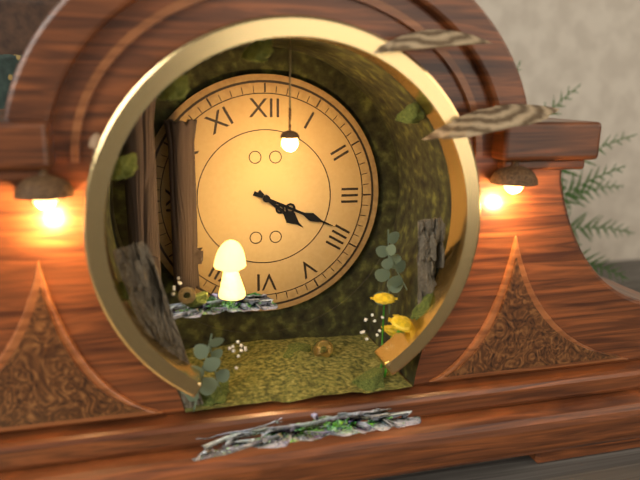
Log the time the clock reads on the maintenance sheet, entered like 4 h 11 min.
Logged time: 4 h 19 min
